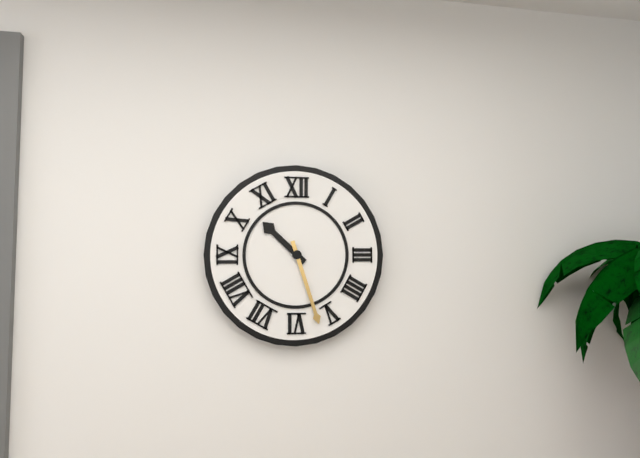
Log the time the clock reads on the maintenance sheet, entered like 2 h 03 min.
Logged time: 10 h 27 min
